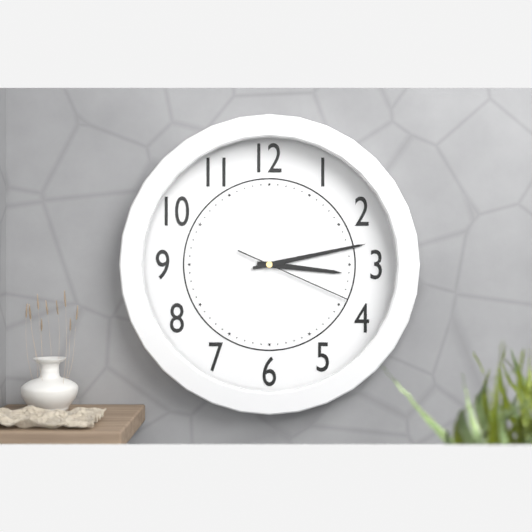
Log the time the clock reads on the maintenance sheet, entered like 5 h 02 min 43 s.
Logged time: 3 h 13 min 19 s
